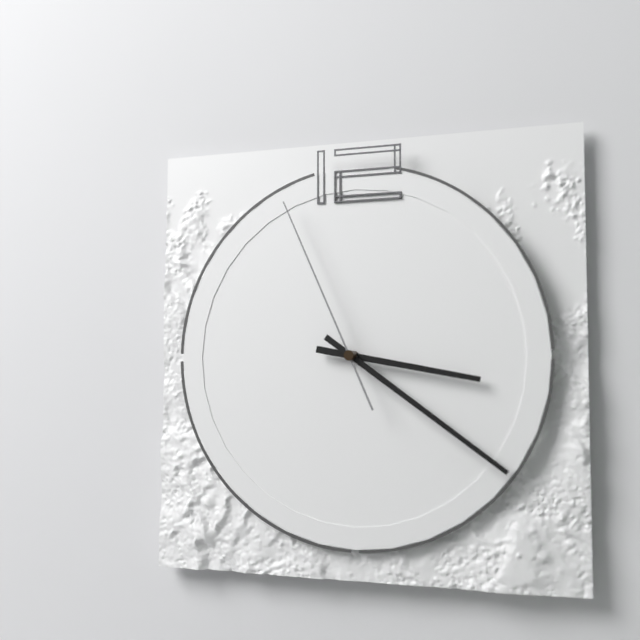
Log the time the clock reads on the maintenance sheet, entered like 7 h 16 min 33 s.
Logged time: 3 h 21 min 56 s
